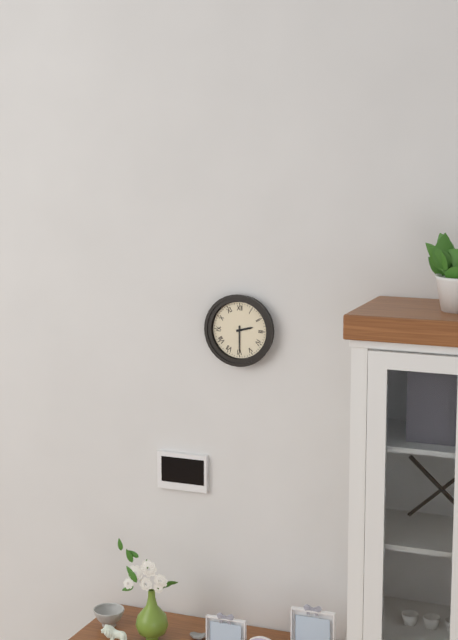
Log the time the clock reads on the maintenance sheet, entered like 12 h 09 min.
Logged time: 2 h 30 min
